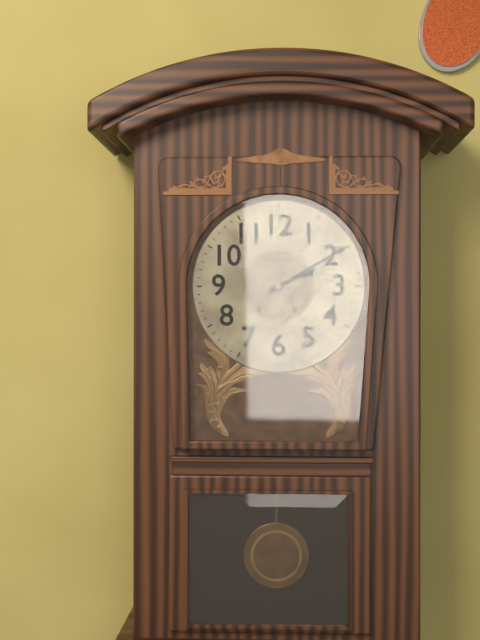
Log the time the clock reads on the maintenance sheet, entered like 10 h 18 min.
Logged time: 2 h 10 min
